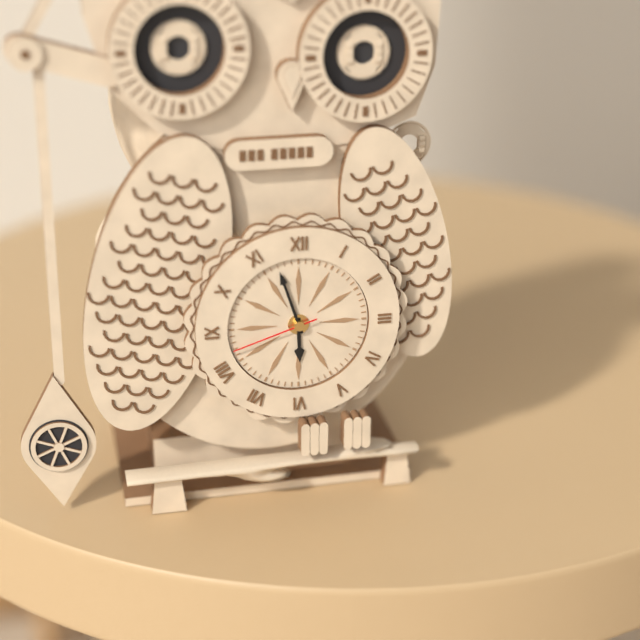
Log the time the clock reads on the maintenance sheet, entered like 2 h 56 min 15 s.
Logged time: 5 h 57 min 42 s
